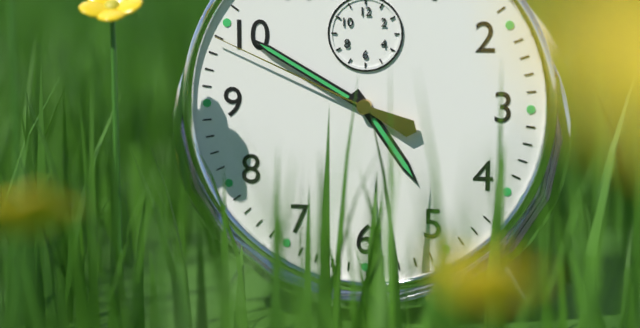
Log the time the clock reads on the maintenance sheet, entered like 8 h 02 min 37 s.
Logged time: 4 h 50 min 49 s
